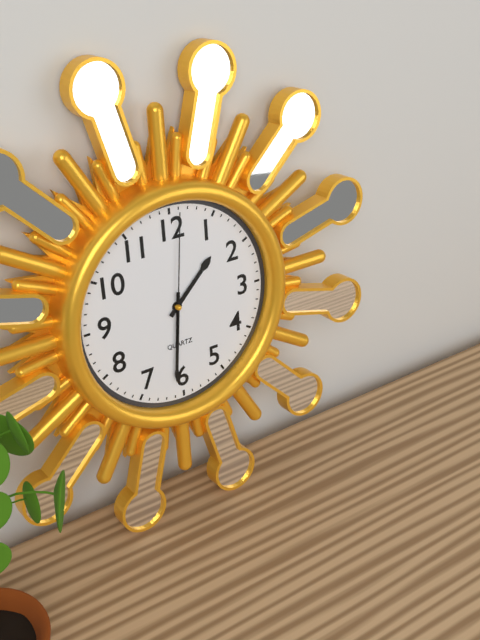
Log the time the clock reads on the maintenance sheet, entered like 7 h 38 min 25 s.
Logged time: 1 h 31 min 01 s
